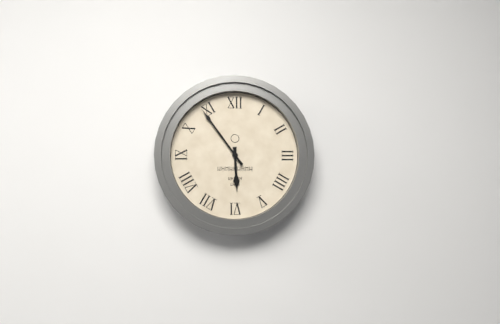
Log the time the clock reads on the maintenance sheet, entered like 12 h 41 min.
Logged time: 5 h 54 min
